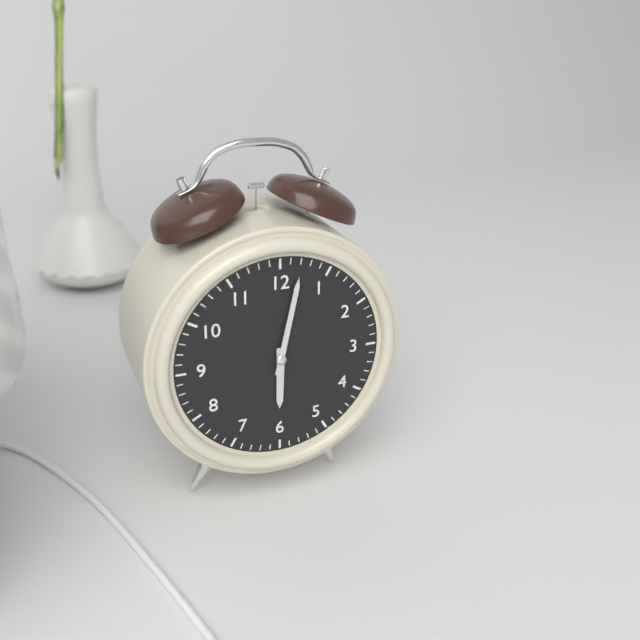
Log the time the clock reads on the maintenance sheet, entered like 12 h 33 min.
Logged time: 6 h 02 min
